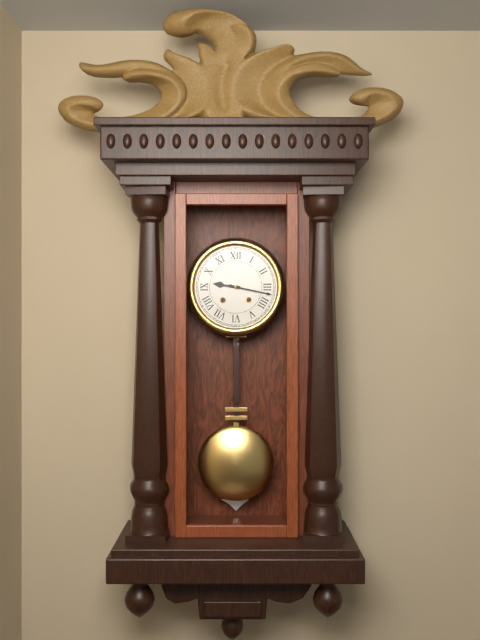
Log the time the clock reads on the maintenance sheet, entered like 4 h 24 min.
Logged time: 9 h 17 min
